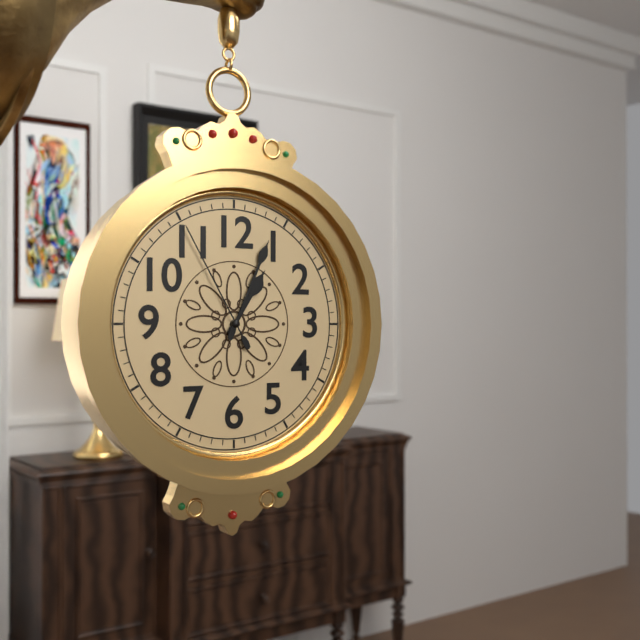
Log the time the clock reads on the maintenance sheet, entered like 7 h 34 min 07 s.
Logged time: 1 h 04 min 55 s
